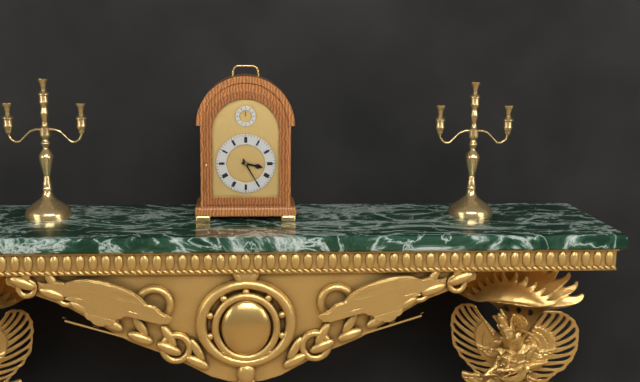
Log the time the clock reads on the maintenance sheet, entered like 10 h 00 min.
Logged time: 3 h 25 min
